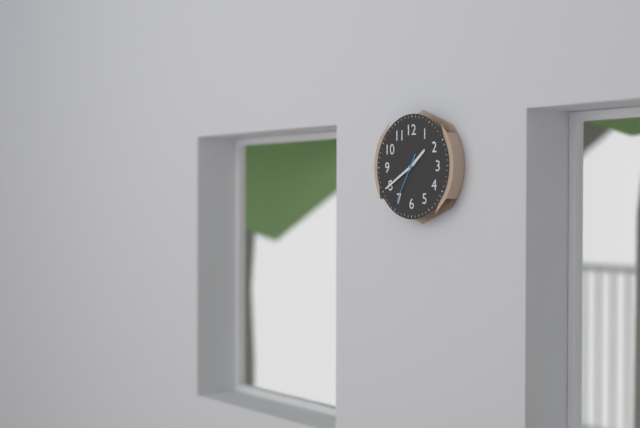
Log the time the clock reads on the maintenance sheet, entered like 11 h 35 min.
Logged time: 1 h 40 min
